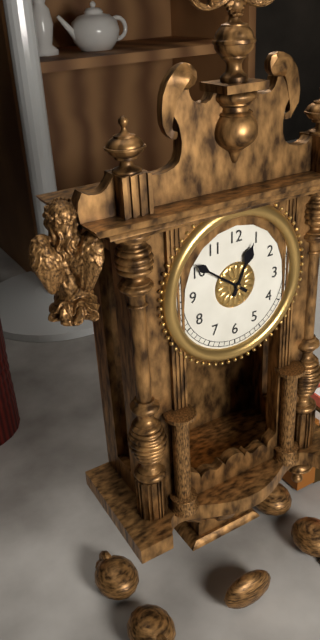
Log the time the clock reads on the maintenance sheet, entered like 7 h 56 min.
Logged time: 12 h 51 min
